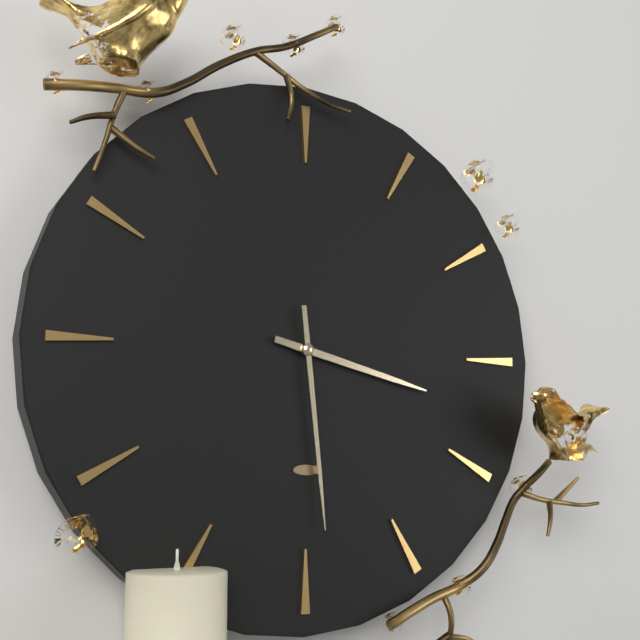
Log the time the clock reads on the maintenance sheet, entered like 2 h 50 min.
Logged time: 3 h 29 min
